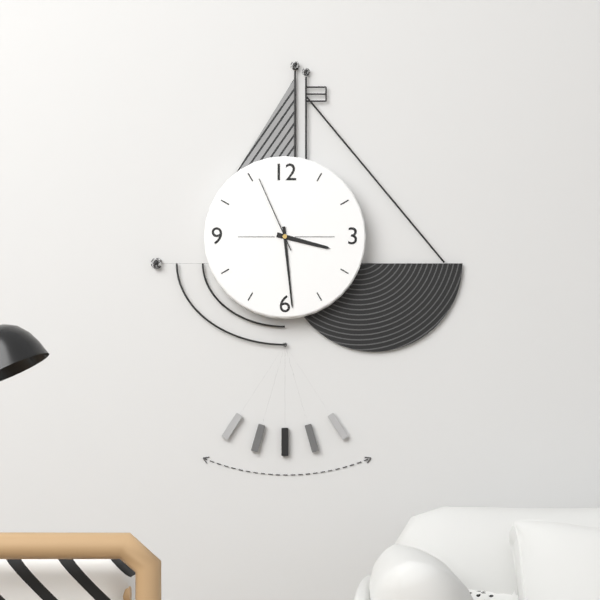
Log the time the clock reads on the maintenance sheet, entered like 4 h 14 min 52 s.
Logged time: 3 h 29 min 56 s
